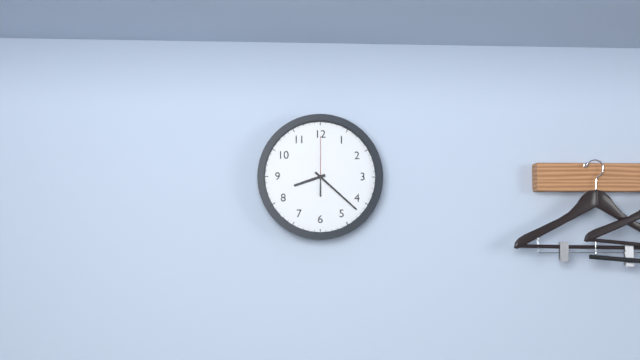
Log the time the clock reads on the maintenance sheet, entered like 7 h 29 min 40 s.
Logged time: 8 h 22 min 00 s
